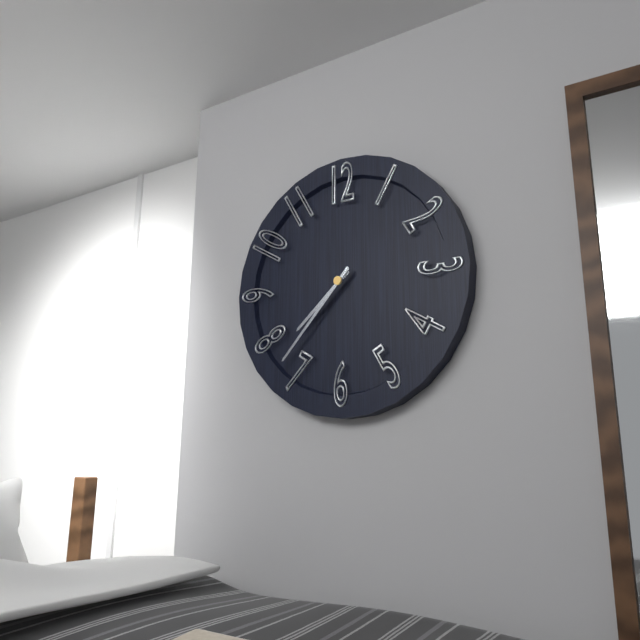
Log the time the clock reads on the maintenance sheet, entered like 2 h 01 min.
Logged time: 7 h 37 min
